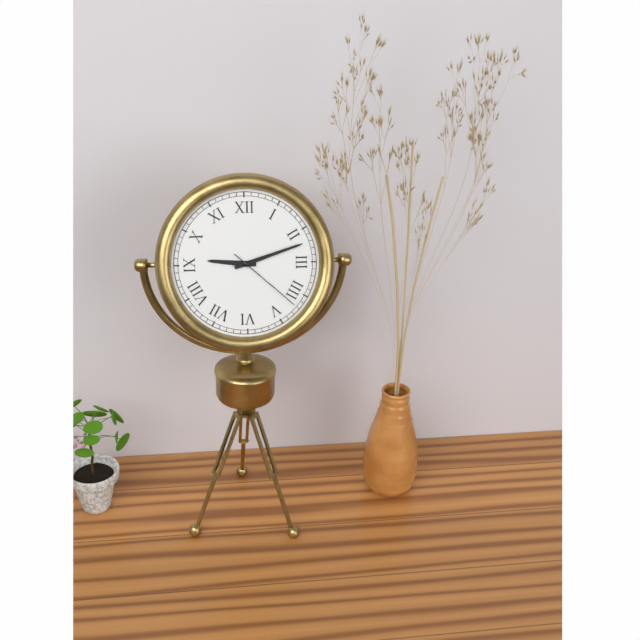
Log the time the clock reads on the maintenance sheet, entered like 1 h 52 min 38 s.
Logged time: 9 h 12 min 22 s
